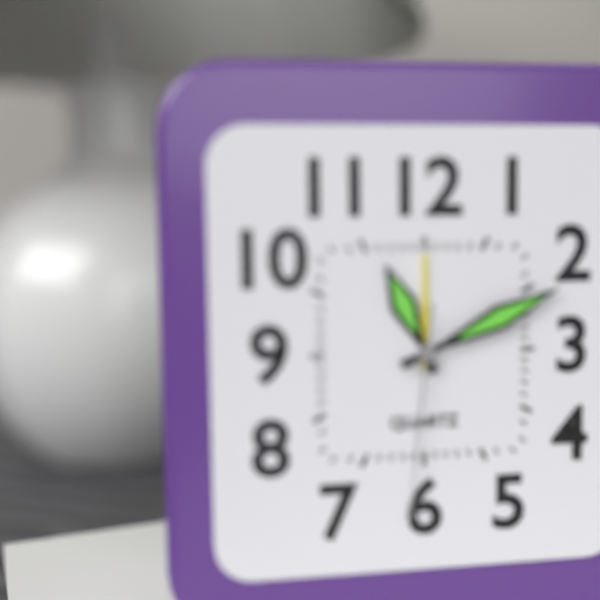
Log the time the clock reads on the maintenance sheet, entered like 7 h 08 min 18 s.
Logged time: 11 h 11 min 31 s
